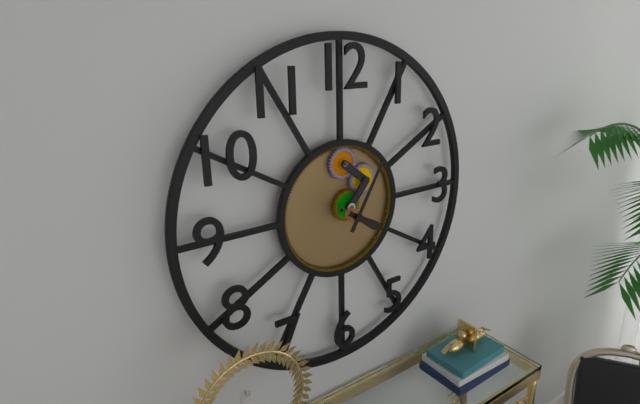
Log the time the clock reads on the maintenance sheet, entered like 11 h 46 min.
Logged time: 4 h 05 min
